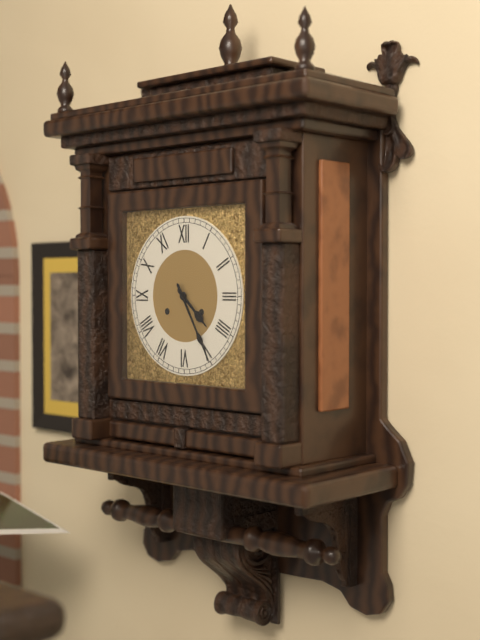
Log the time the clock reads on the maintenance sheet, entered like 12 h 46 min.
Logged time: 4 h 25 min
